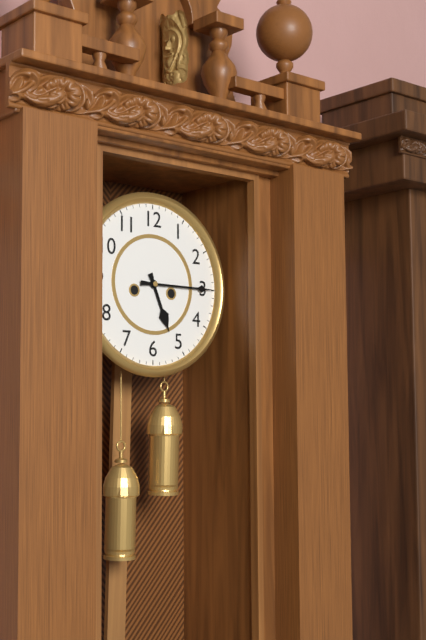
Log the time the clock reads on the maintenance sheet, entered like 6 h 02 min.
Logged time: 5 h 15 min
